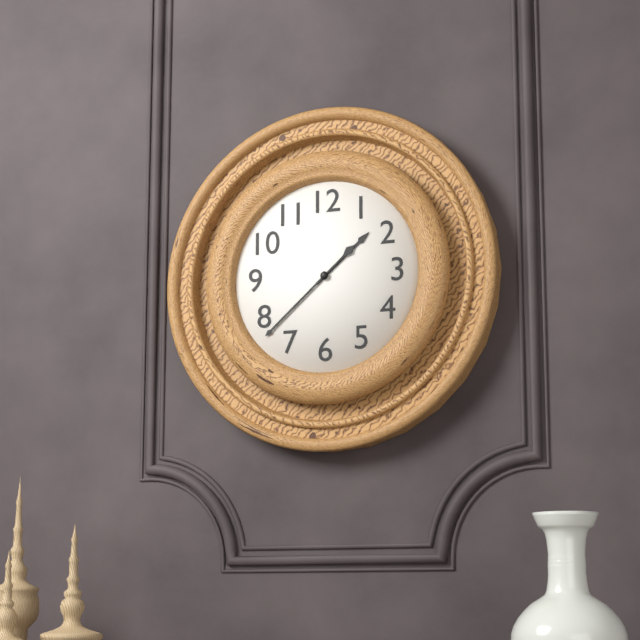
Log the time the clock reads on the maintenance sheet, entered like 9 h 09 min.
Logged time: 1 h 38 min
